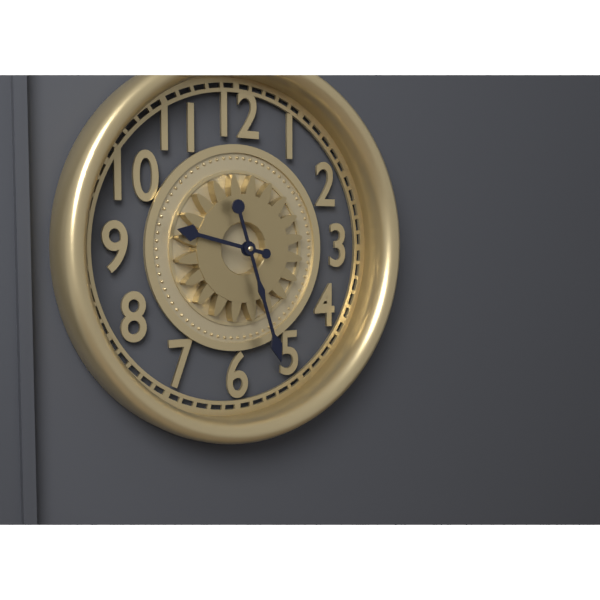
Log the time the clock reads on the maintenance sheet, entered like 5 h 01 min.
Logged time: 9 h 27 min
